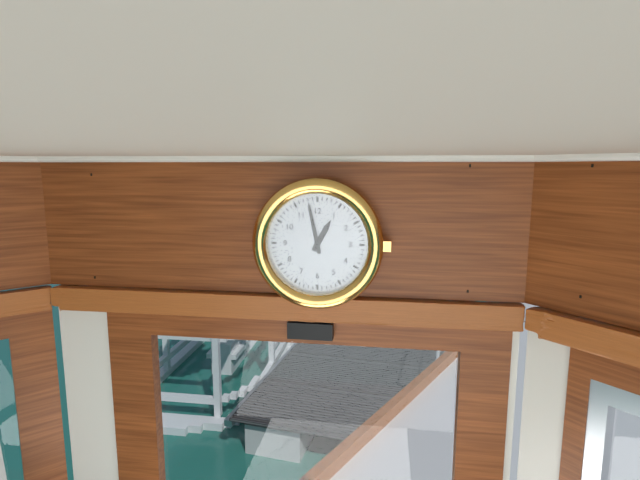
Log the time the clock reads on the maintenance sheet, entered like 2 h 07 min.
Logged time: 12 h 58 min
